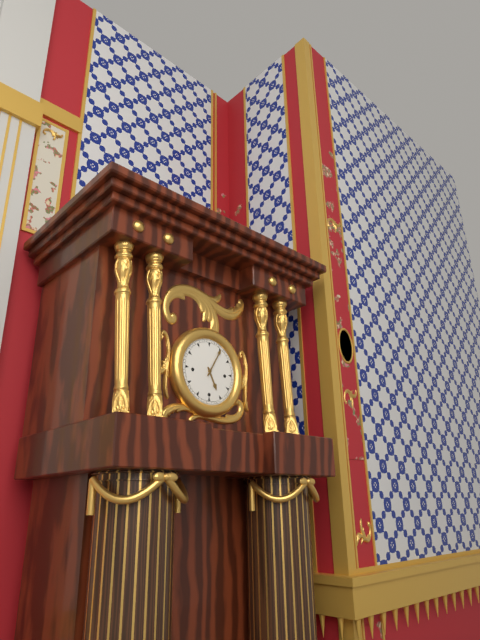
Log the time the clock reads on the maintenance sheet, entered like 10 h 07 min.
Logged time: 5 h 05 min
